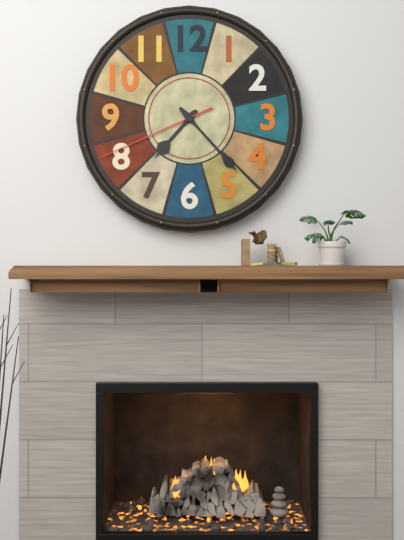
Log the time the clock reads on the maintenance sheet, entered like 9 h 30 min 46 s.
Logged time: 7 h 23 min 41 s
